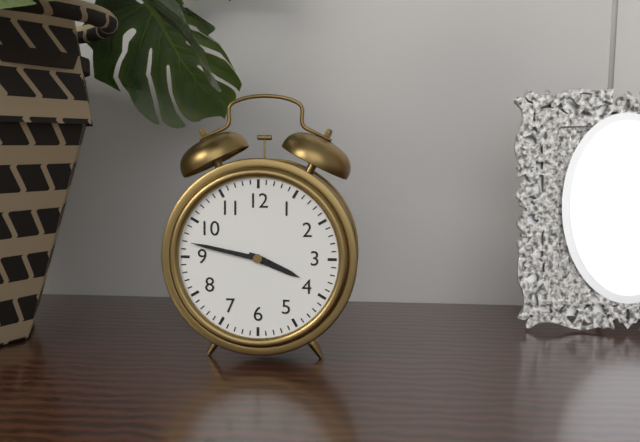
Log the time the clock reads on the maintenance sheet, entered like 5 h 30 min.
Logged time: 3 h 47 min
